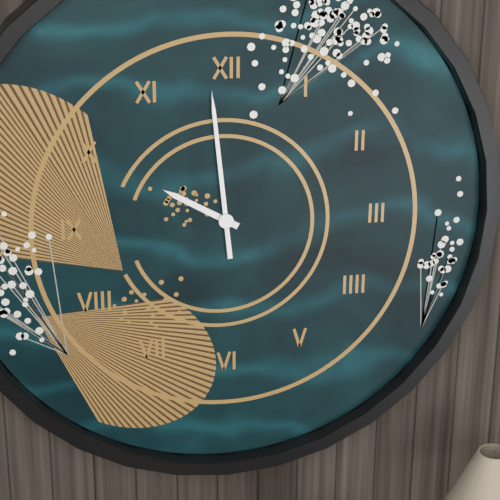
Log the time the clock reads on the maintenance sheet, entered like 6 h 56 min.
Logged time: 9 h 59 min
